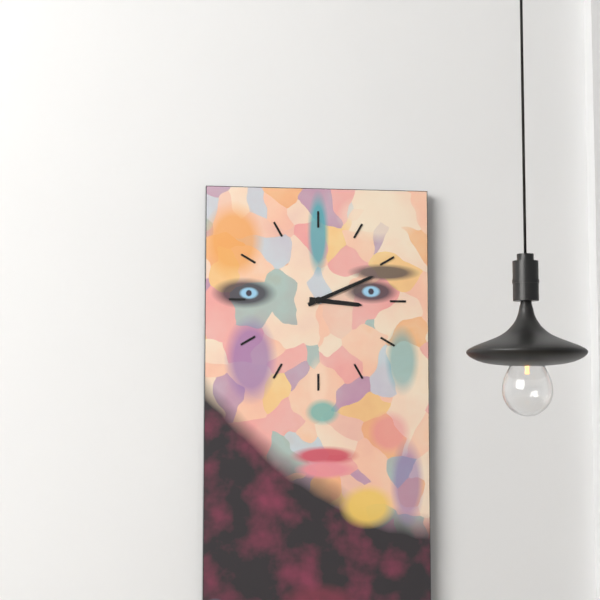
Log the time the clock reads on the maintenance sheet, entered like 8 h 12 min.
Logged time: 3 h 11 min
